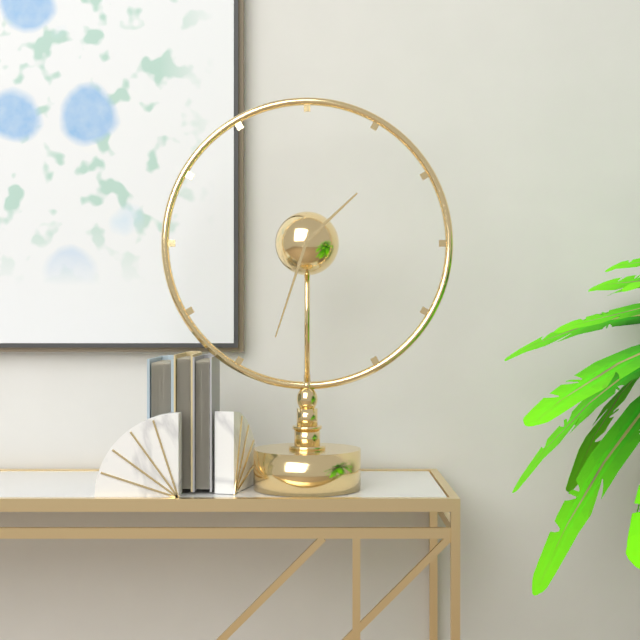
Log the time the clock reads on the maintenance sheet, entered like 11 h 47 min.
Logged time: 1 h 33 min
